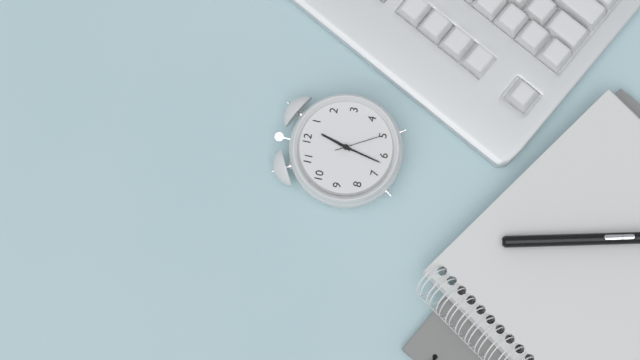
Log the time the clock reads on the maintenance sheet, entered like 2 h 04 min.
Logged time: 12 h 32 min
